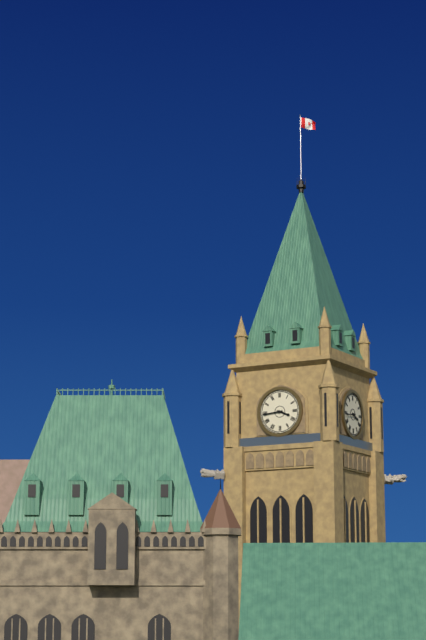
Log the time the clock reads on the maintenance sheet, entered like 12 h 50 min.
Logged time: 3 h 44 min
